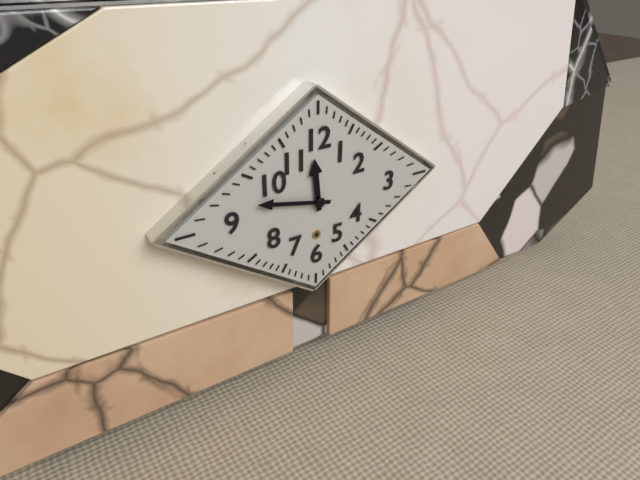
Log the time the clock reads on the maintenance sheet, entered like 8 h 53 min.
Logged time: 11 h 47 min
